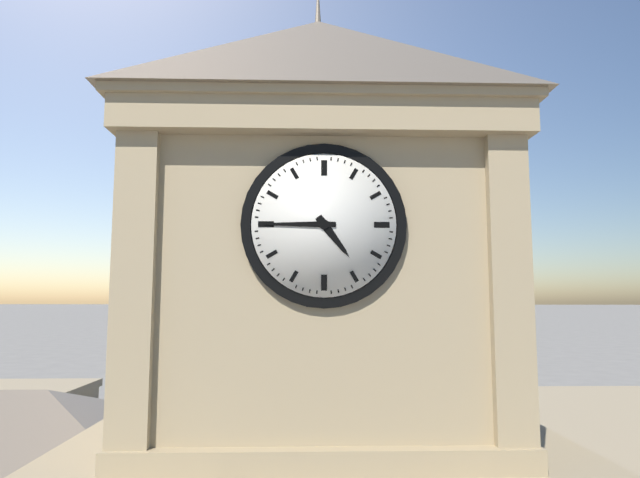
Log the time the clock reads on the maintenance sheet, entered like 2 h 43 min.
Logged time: 4 h 45 min
